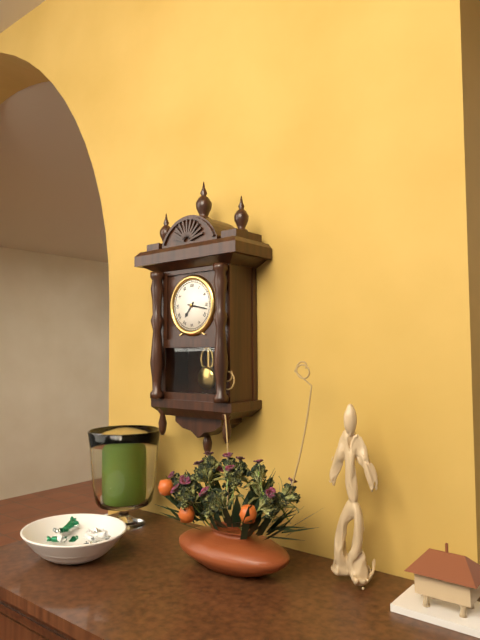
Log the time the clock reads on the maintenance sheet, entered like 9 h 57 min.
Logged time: 7 h 17 min
